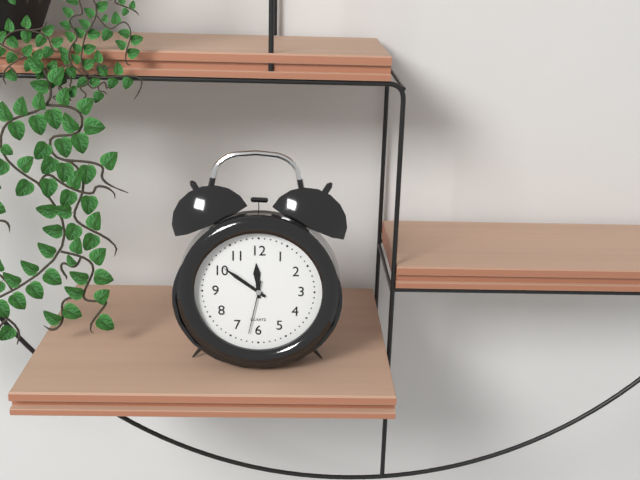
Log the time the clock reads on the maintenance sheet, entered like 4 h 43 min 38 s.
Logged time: 11 h 51 min 32 s
